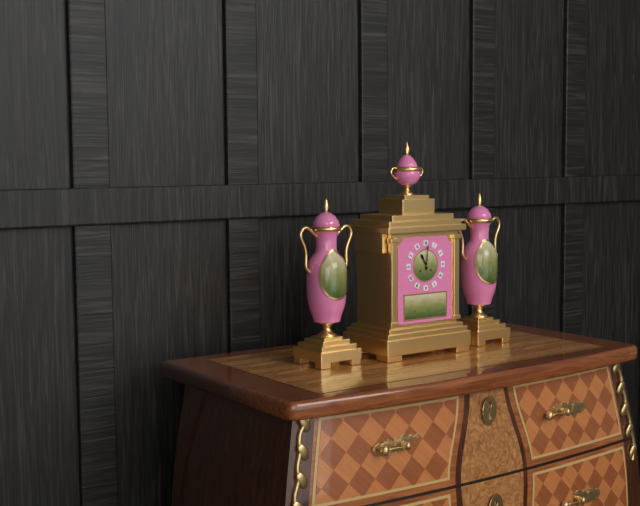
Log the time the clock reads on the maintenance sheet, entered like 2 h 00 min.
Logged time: 11 h 01 min
